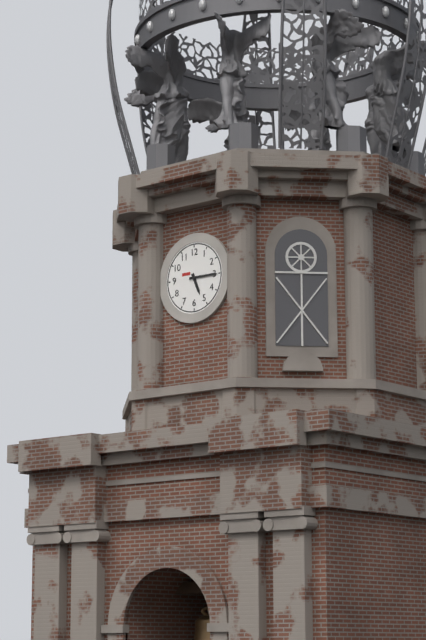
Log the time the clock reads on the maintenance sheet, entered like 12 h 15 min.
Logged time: 5 h 15 min
